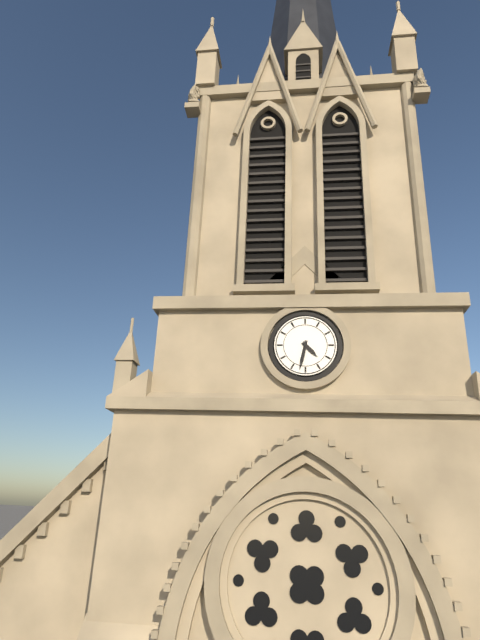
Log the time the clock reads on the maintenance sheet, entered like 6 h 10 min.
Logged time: 4 h 32 min
